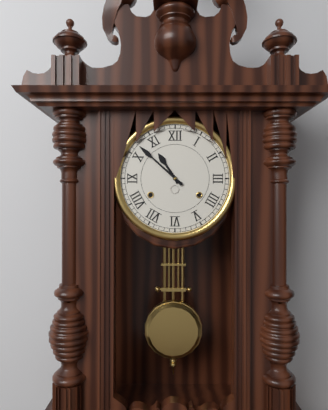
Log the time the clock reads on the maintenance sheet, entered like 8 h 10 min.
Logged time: 10 h 52 min
